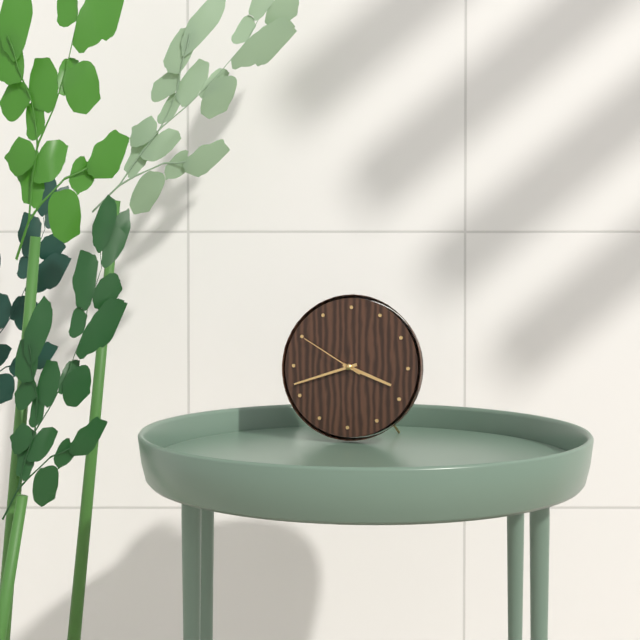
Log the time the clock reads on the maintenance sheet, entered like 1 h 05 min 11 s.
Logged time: 3 h 42 min 50 s
